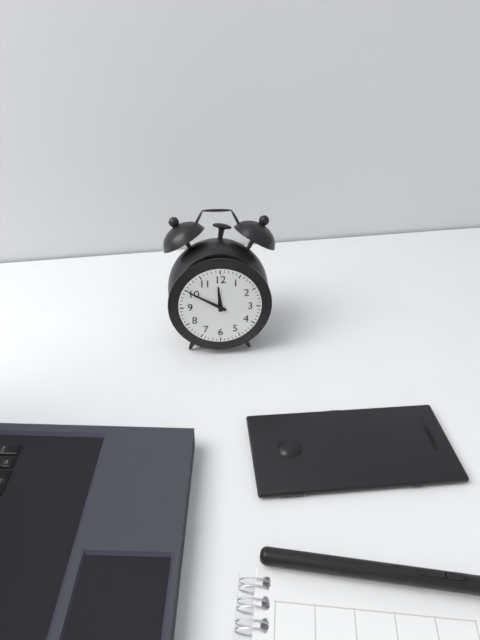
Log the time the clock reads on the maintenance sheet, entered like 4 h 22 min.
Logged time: 11 h 50 min
